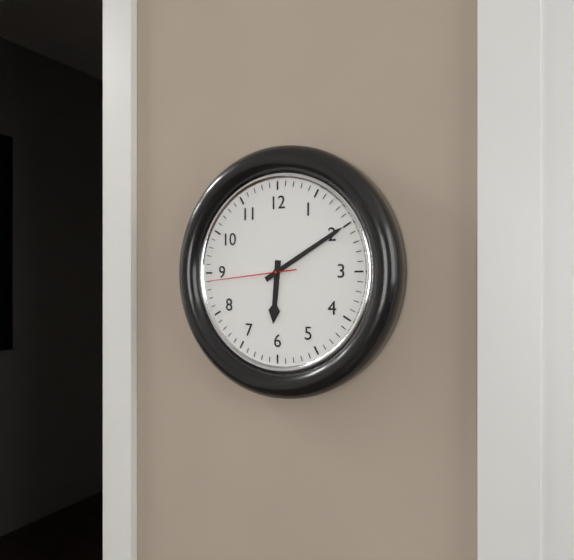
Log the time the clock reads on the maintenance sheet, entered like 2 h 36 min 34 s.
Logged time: 6 h 10 min 44 s
